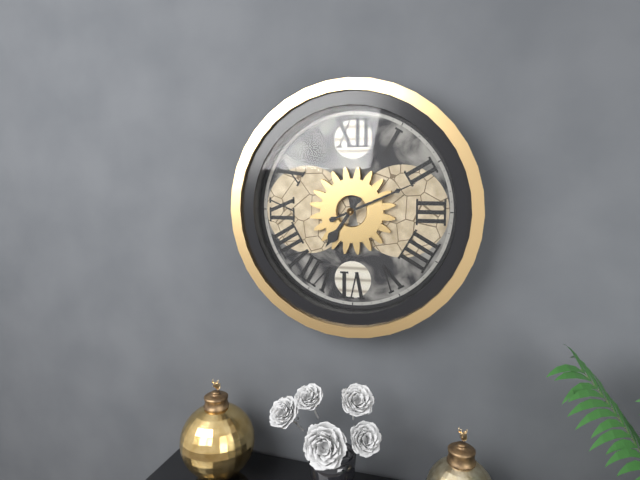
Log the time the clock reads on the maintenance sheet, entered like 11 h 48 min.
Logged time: 7 h 11 min
